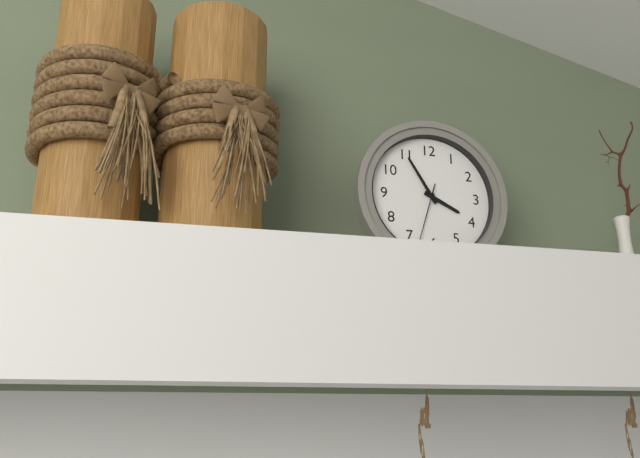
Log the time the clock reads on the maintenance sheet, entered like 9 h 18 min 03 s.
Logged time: 3 h 55 min 33 s
